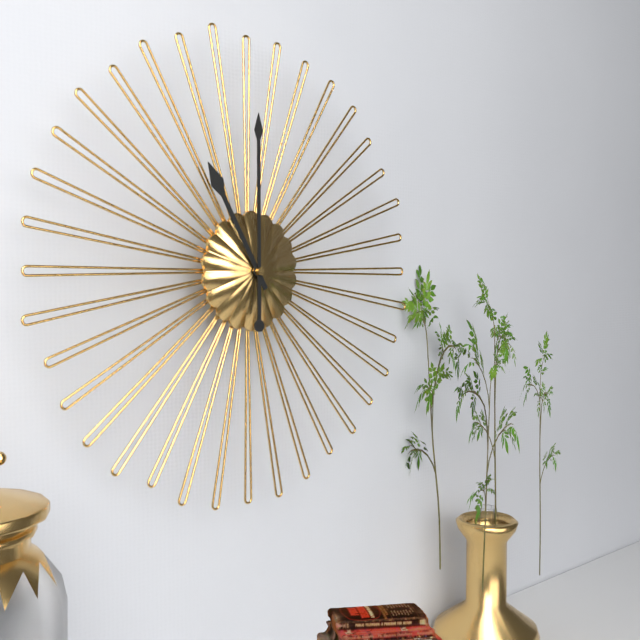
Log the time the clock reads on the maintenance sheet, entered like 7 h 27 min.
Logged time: 11 h 00 min
